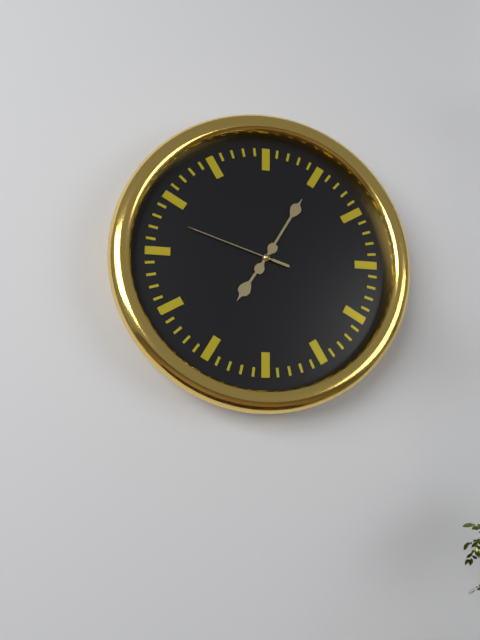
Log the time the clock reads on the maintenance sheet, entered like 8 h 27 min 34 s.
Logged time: 7 h 05 min 48 s
